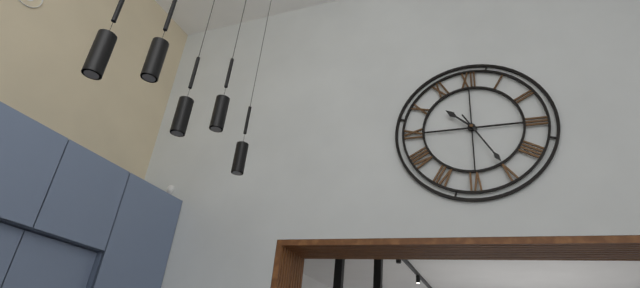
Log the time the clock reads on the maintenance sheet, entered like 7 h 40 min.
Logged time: 10 h 25 min
